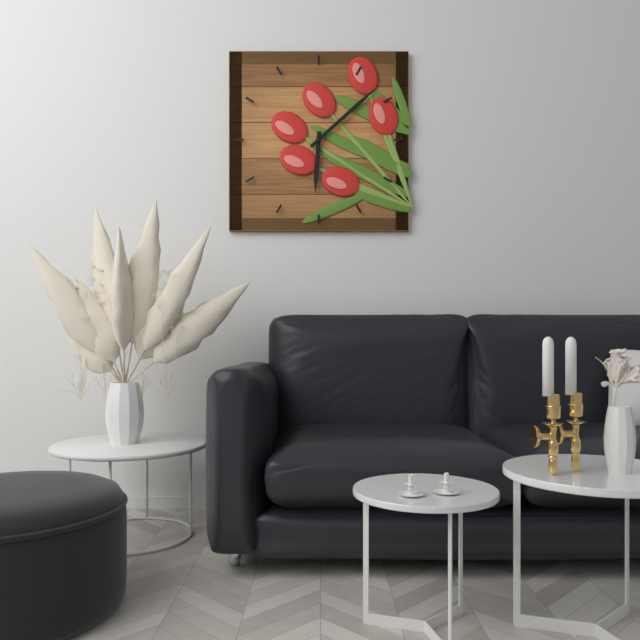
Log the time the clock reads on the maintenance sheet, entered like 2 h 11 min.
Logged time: 6 h 08 min
